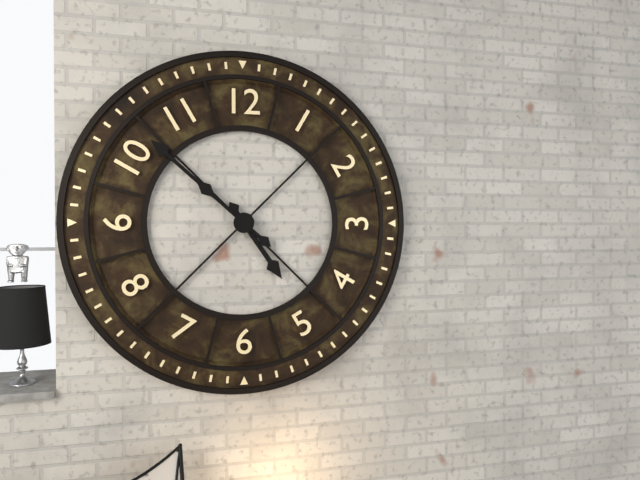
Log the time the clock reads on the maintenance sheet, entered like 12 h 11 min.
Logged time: 4 h 52 min
